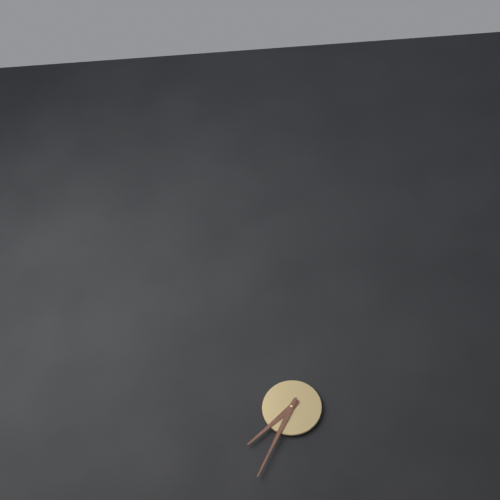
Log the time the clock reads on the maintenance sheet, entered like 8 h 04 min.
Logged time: 7 h 34 min
